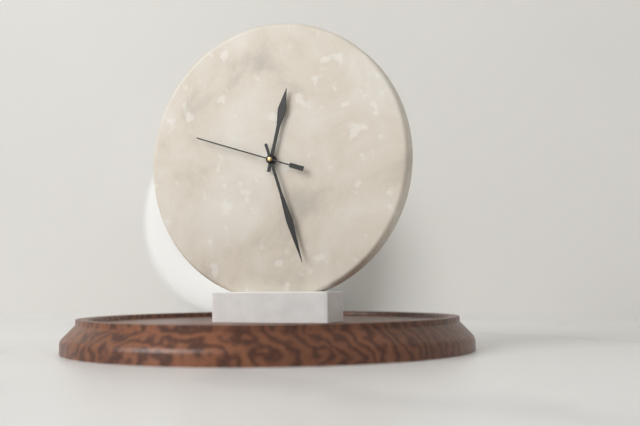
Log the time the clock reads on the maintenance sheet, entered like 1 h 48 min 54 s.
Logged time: 12 h 27 min 48 s
